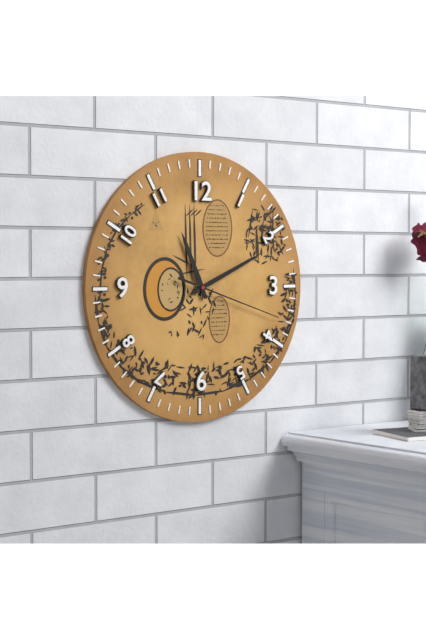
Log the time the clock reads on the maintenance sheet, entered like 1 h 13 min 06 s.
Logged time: 11 h 11 min 18 s
